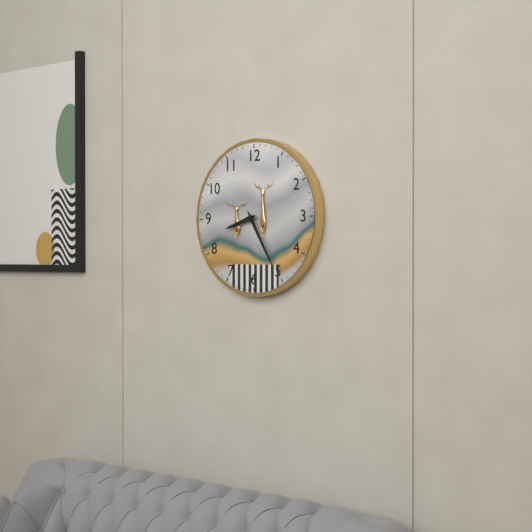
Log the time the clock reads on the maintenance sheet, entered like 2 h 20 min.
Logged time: 8 h 25 min
